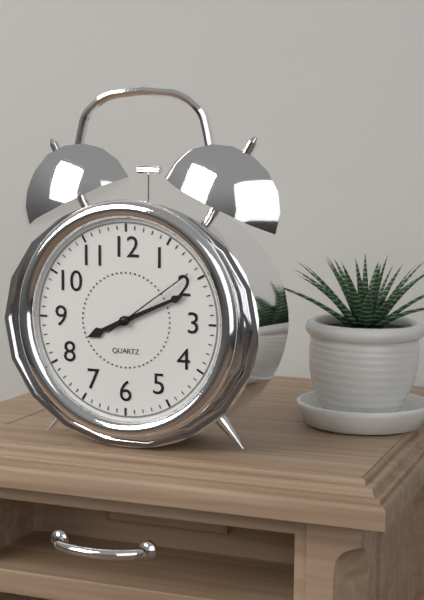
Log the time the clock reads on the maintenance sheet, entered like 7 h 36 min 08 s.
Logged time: 8 h 11 min 09 s
